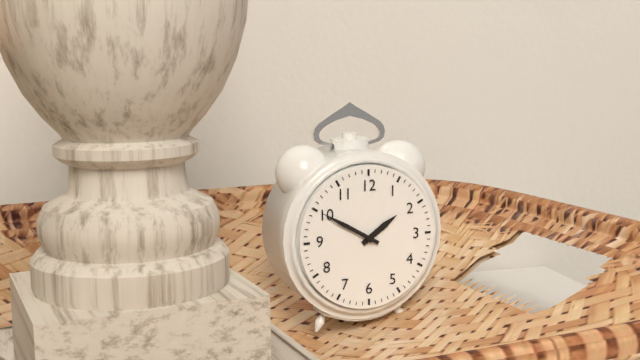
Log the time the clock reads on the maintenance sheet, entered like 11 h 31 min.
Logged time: 1 h 50 min
